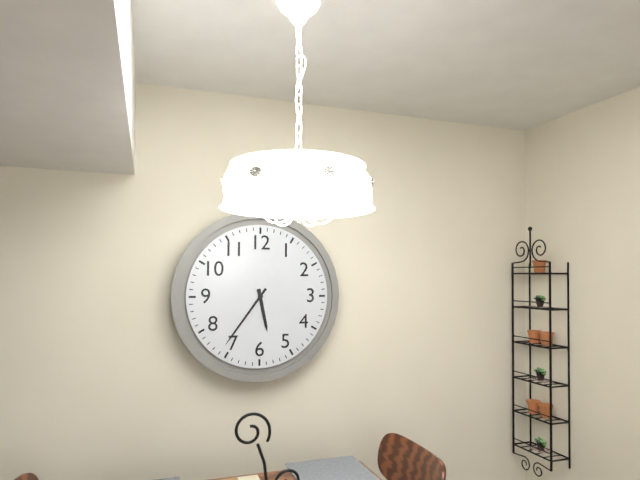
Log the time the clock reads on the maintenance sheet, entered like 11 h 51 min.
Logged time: 5 h 36 min
